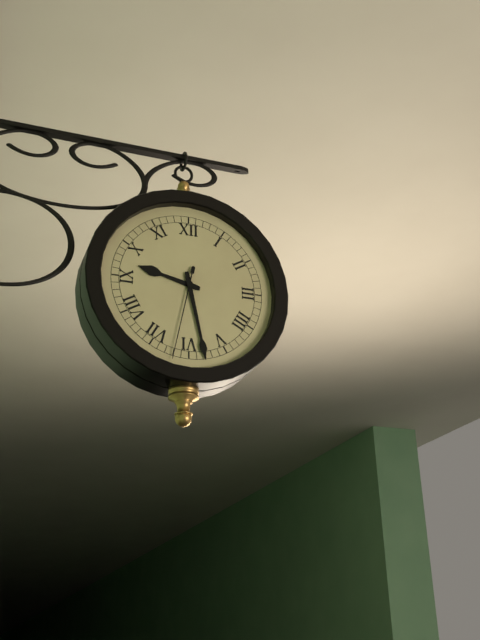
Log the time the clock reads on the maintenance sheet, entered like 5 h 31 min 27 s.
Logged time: 9 h 28 min 32 s
